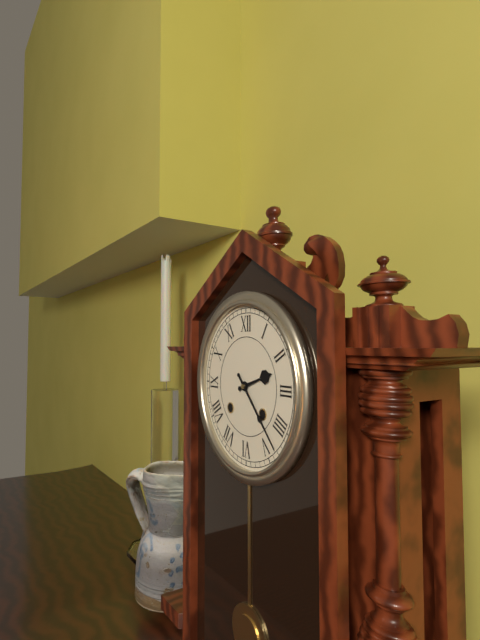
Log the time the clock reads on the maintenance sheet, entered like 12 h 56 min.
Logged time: 2 h 23 min
